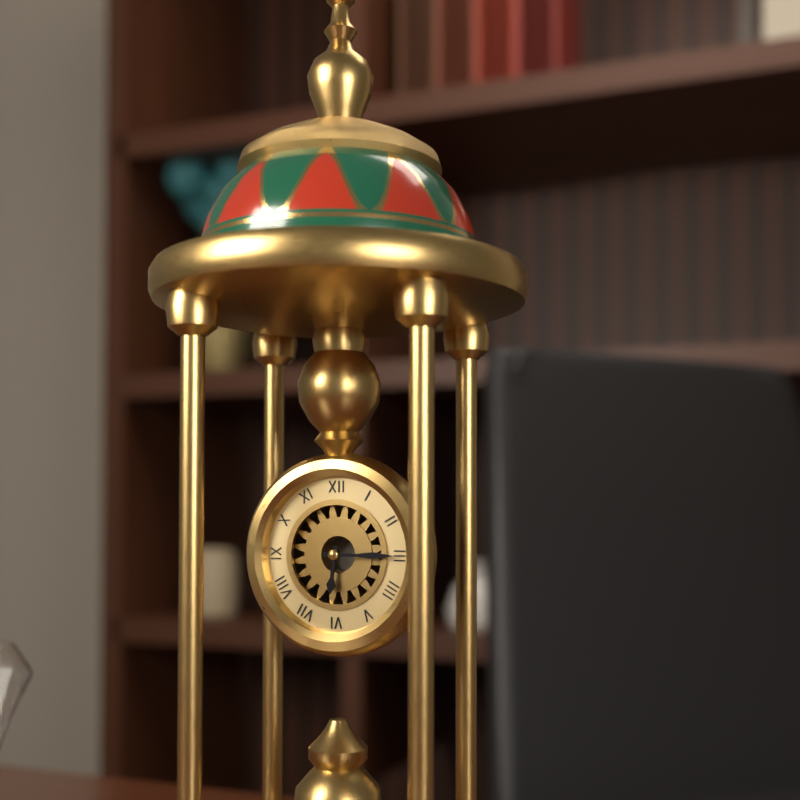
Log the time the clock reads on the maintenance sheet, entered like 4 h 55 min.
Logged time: 6 h 15 min
